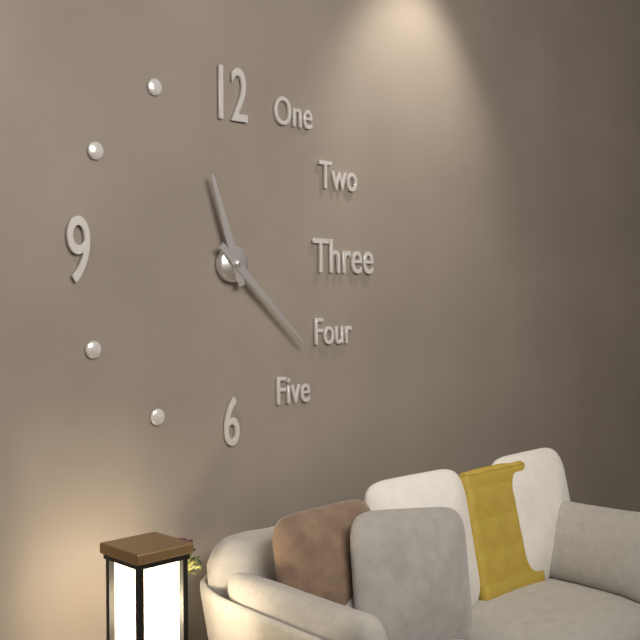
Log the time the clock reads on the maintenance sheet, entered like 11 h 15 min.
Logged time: 11 h 22 min
